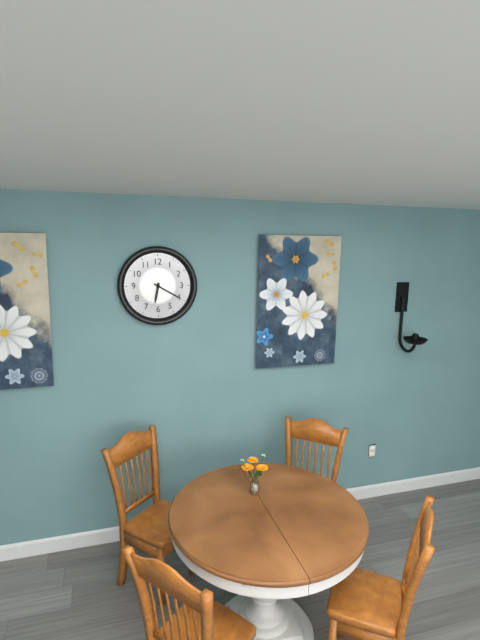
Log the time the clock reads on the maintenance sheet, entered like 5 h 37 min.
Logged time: 6 h 20 min
